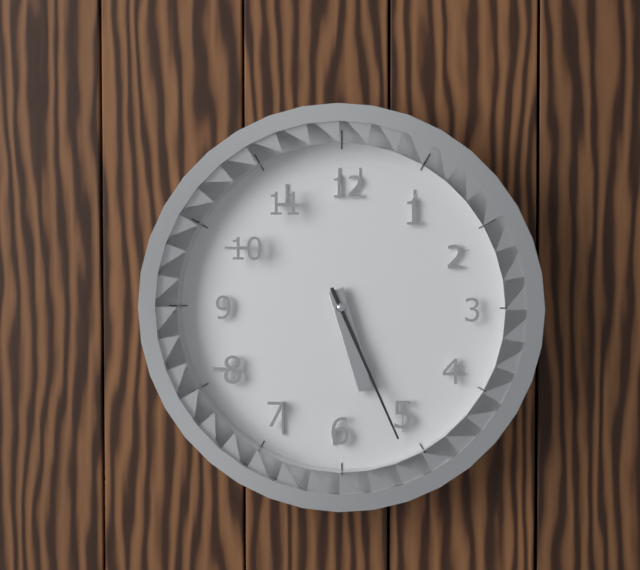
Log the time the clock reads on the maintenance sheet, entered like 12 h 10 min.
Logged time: 5 h 26 min
